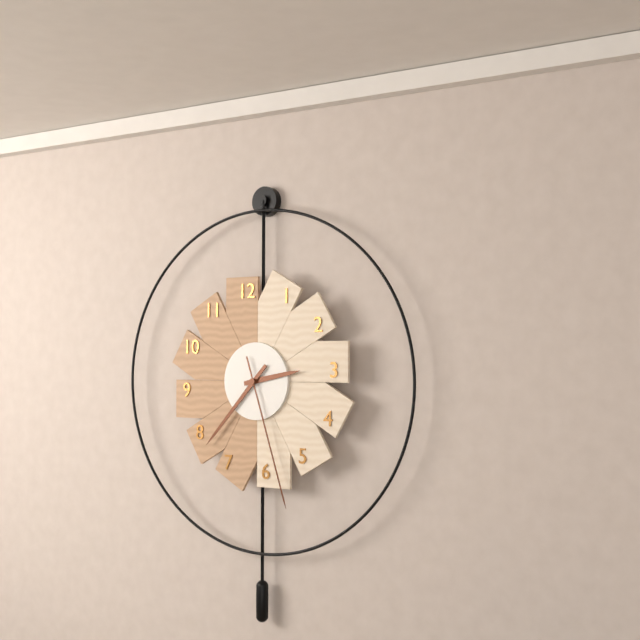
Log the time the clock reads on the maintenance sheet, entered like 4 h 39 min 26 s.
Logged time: 2 h 37 min 27 s
